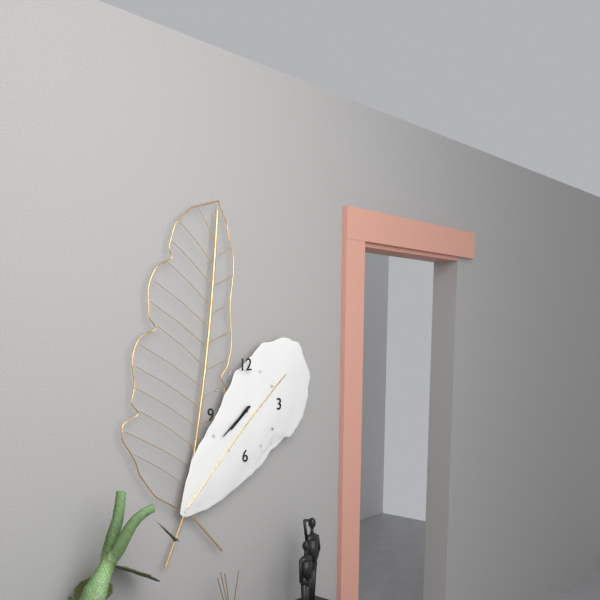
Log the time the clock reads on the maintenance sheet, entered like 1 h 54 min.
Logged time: 7 h 39 min
